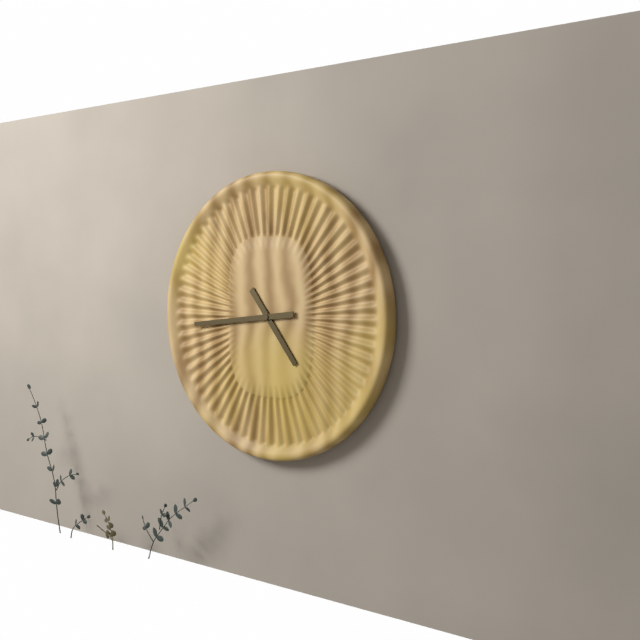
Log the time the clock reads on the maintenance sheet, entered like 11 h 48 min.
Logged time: 4 h 44 min
